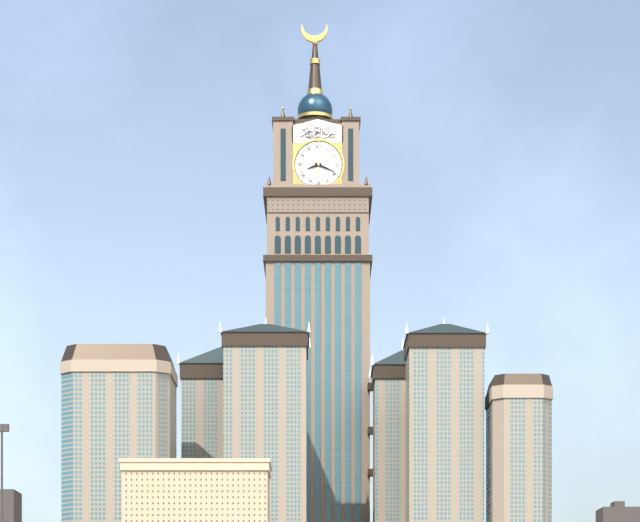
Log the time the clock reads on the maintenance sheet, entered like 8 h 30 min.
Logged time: 8 h 19 min
